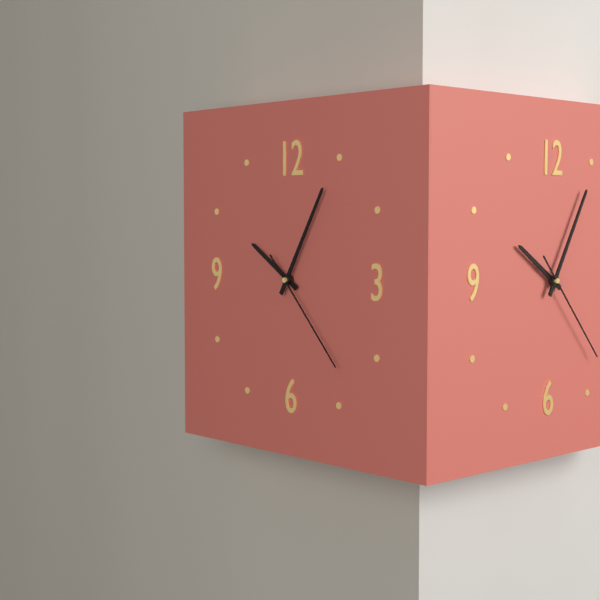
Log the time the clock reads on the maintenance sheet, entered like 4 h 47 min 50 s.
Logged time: 10 h 05 min 23 s
